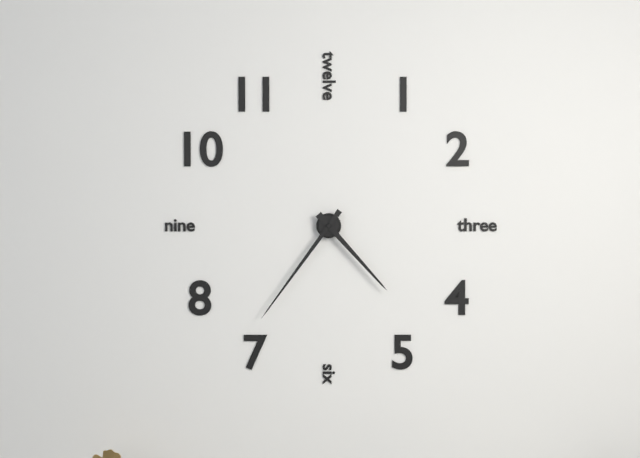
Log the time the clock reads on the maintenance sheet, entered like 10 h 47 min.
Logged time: 4 h 36 min
